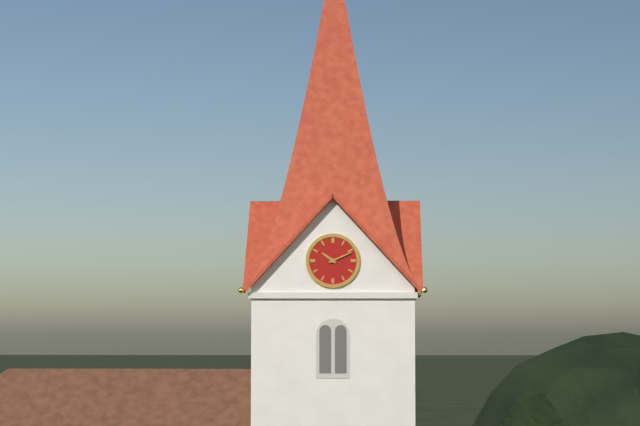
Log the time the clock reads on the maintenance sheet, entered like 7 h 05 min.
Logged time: 10 h 11 min
